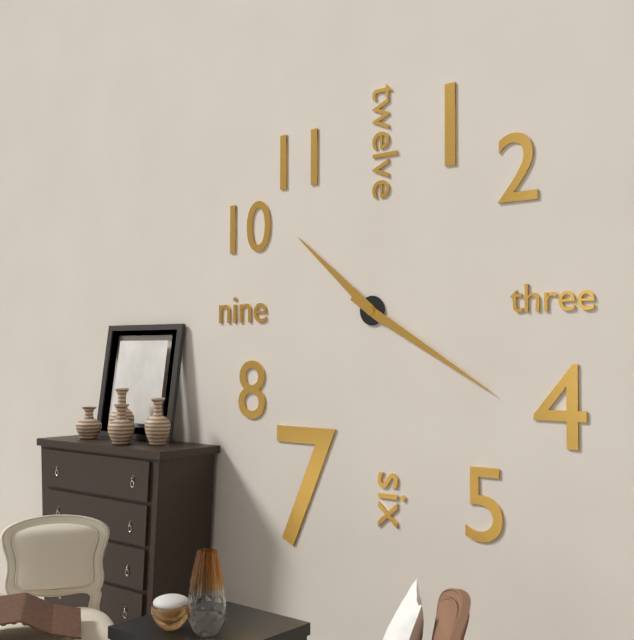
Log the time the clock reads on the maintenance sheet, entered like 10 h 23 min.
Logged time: 10 h 20 min
